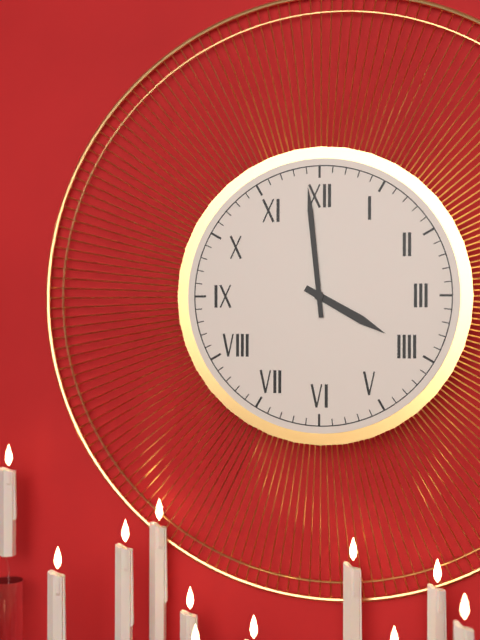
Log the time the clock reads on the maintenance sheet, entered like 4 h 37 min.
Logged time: 3 h 59 min
